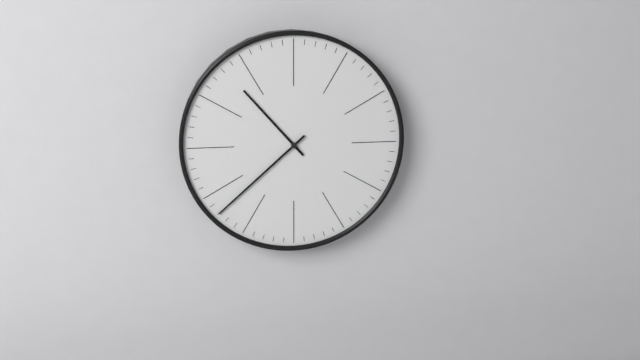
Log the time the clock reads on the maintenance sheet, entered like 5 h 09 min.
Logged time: 10 h 38 min
